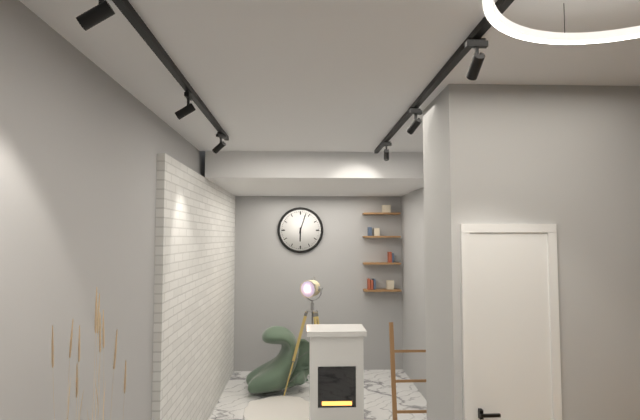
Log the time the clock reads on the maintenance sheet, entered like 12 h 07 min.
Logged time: 6 h 03 min
